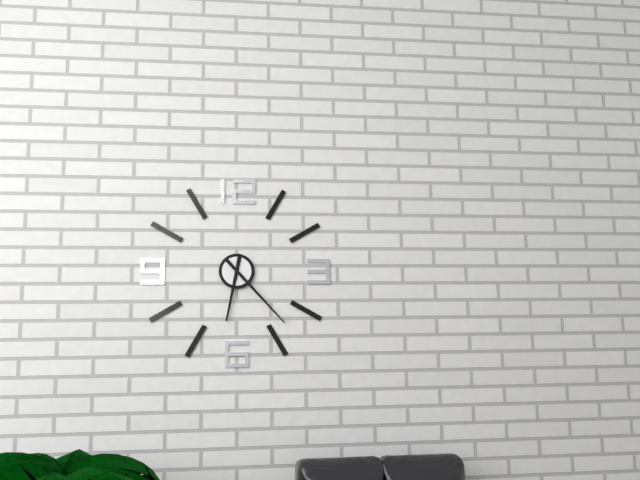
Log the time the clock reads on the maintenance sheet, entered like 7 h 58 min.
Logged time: 6 h 23 min
